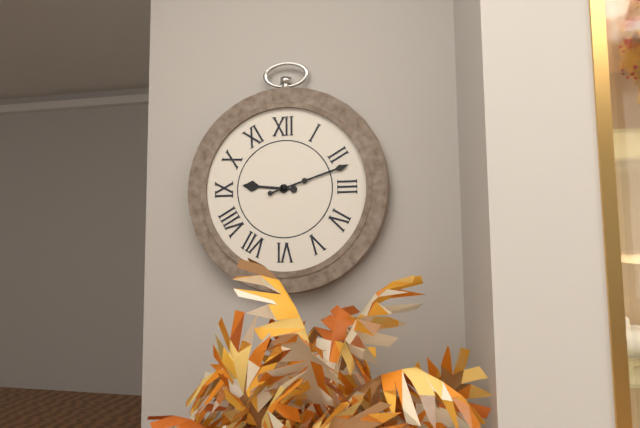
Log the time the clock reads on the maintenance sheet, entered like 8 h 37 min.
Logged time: 9 h 12 min
